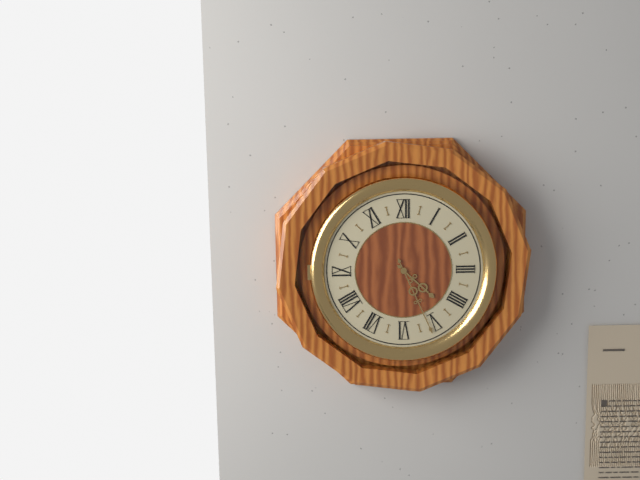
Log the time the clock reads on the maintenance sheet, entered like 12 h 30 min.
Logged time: 4 h 26 min
